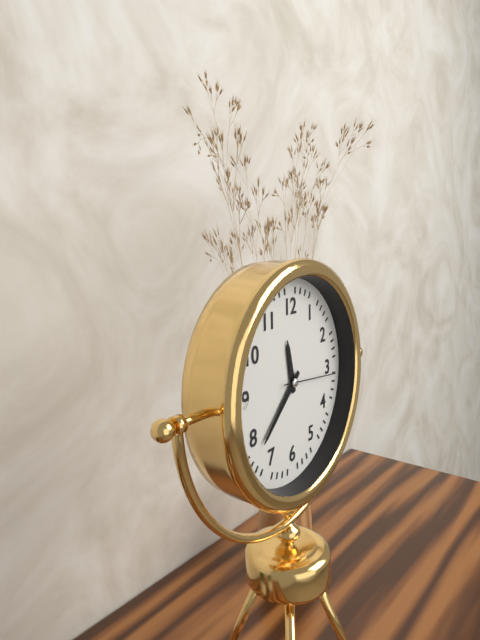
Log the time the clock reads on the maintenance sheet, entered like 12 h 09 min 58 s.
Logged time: 11 h 38 min 16 s
